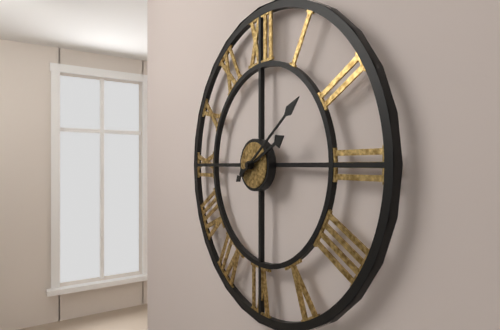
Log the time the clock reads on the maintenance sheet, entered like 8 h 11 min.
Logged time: 2 h 09 min
